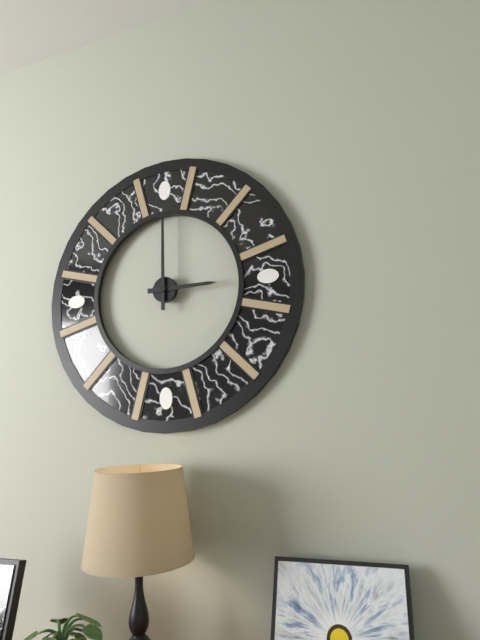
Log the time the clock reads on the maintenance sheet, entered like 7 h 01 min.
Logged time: 3 h 00 min
